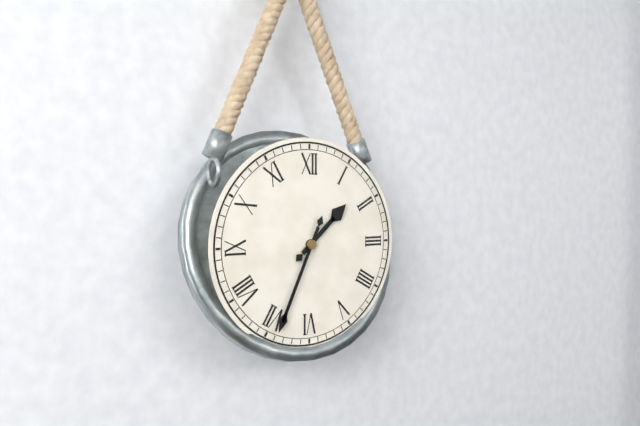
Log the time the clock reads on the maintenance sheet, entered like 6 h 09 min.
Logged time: 1 h 34 min
